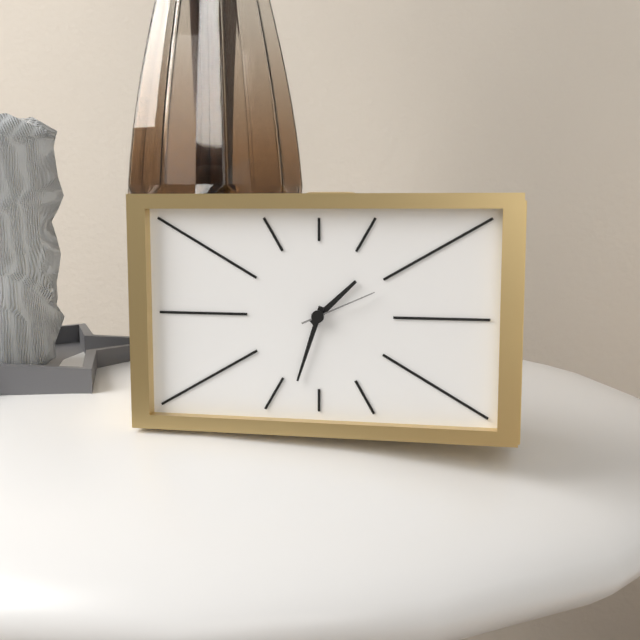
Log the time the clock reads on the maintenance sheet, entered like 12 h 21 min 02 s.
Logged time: 1 h 33 min 11 s
